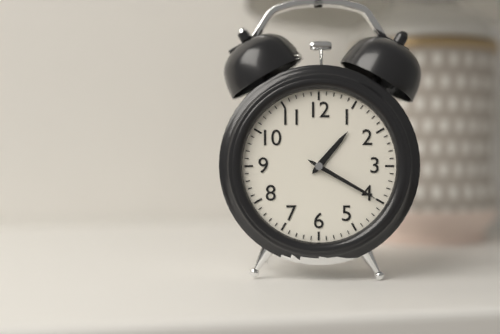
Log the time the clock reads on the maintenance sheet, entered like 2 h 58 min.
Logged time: 1 h 20 min
